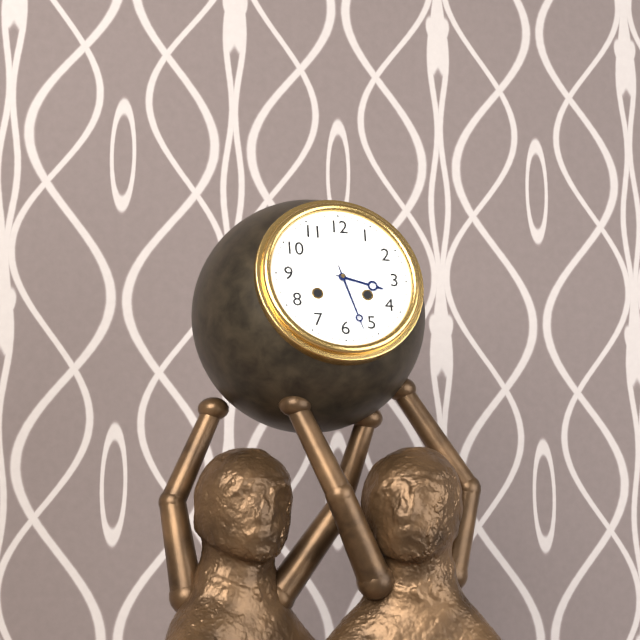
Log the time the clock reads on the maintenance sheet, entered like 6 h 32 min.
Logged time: 3 h 27 min
